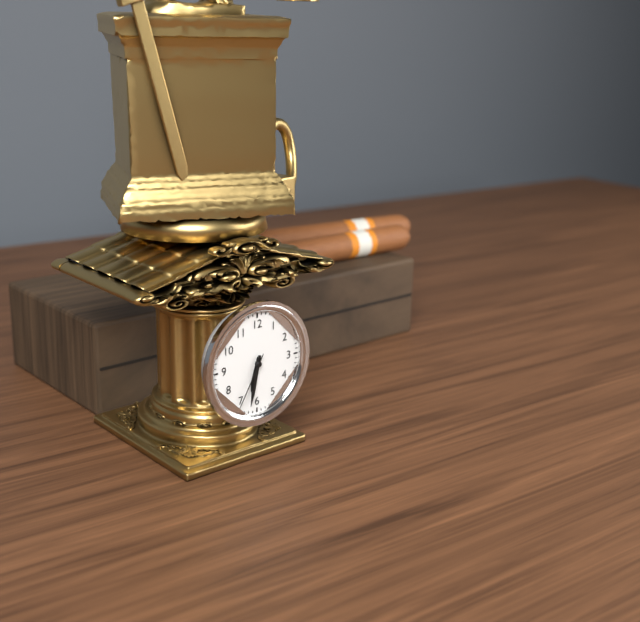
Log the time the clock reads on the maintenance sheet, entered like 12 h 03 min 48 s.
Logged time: 6 h 32 min 35 s
